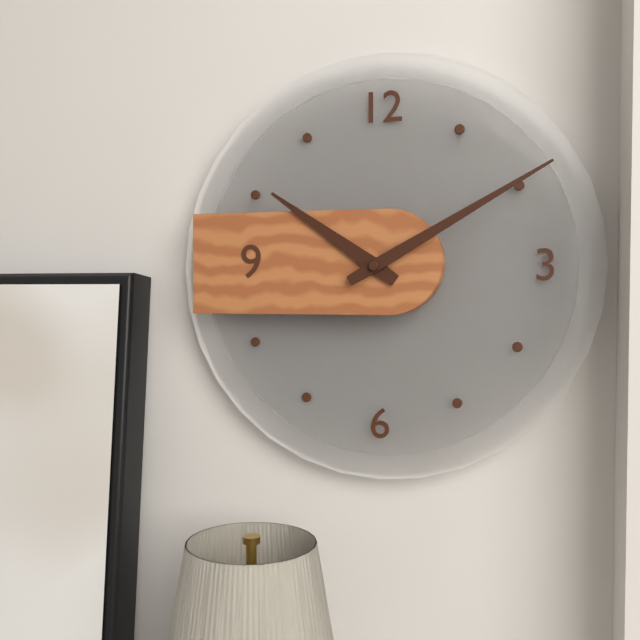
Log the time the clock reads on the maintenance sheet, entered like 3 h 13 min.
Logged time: 10 h 10 min
